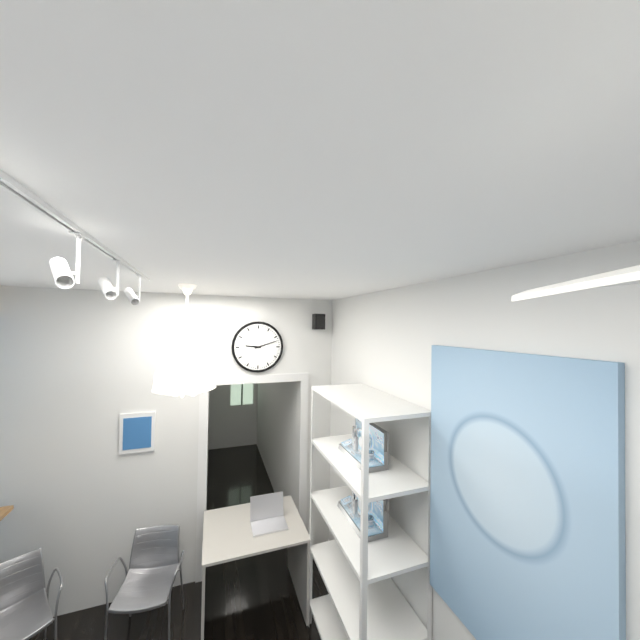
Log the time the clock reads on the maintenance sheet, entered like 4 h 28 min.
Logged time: 9 h 12 min
